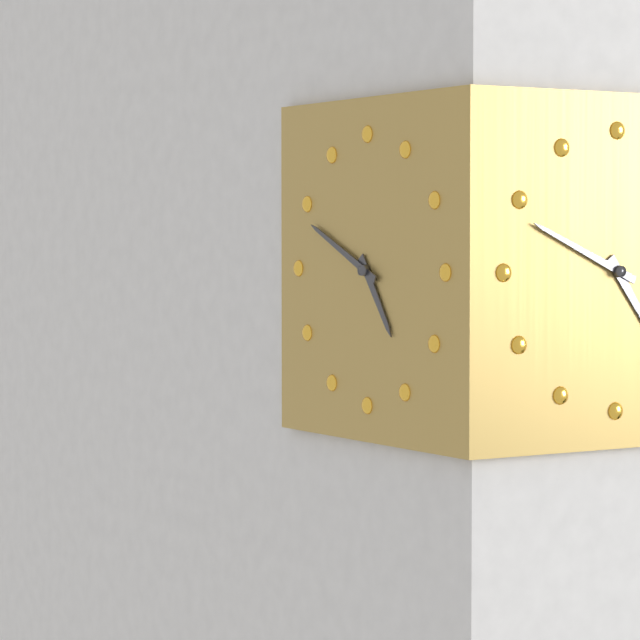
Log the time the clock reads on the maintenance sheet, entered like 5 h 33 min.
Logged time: 4 h 49 min
